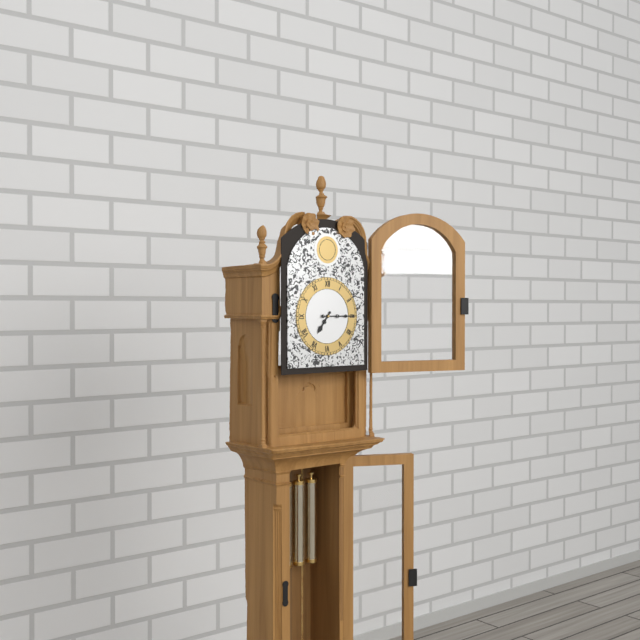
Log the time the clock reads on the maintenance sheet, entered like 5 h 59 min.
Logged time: 7 h 15 min
